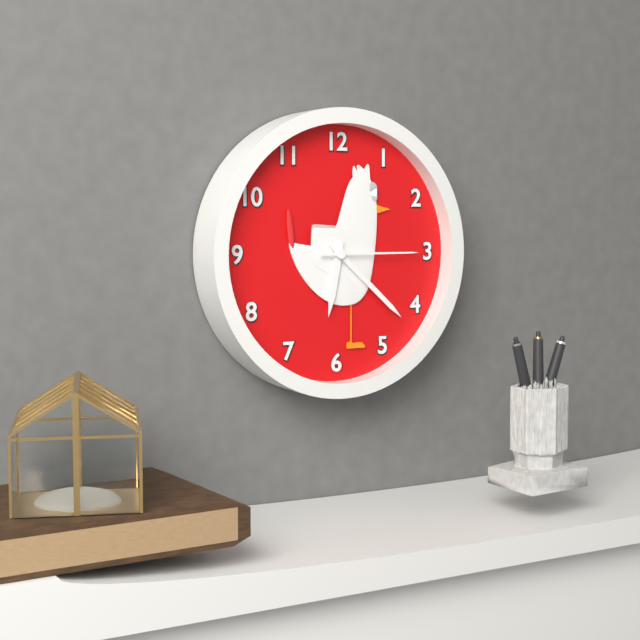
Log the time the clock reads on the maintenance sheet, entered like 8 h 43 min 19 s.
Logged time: 6 h 22 min 15 s
